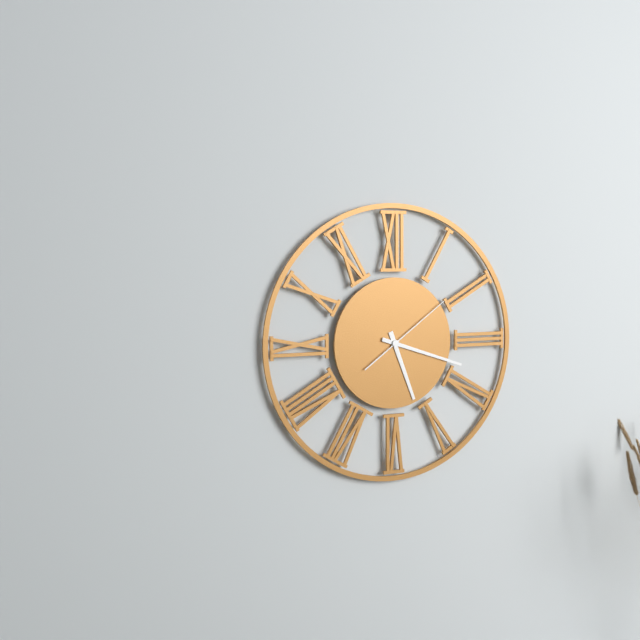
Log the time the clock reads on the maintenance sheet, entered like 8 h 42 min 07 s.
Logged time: 5 h 18 min 09 s
